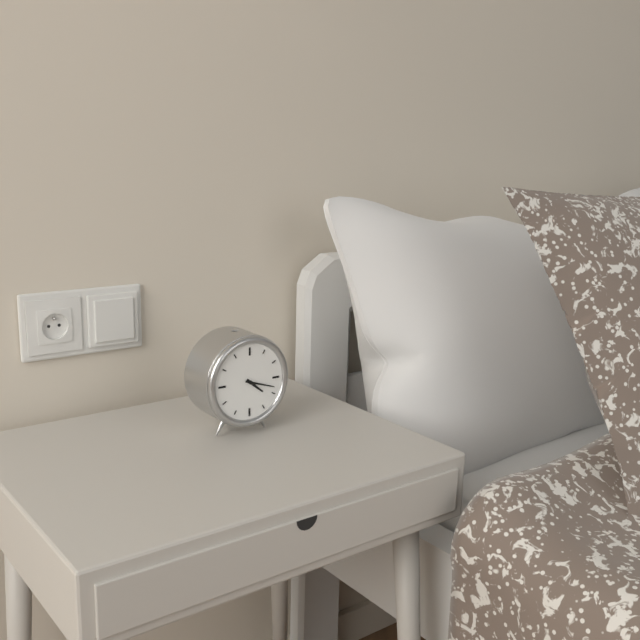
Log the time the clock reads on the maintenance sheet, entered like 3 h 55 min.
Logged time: 4 h 18 min
